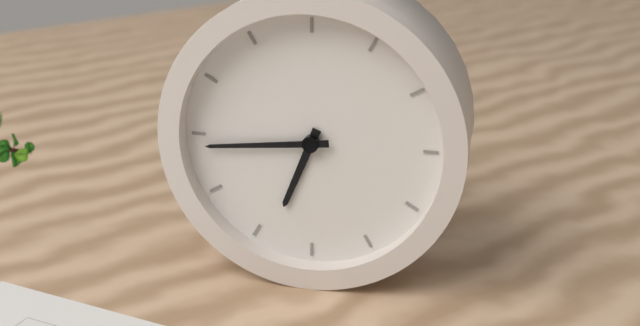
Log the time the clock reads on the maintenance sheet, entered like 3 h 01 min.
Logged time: 6 h 44 min
